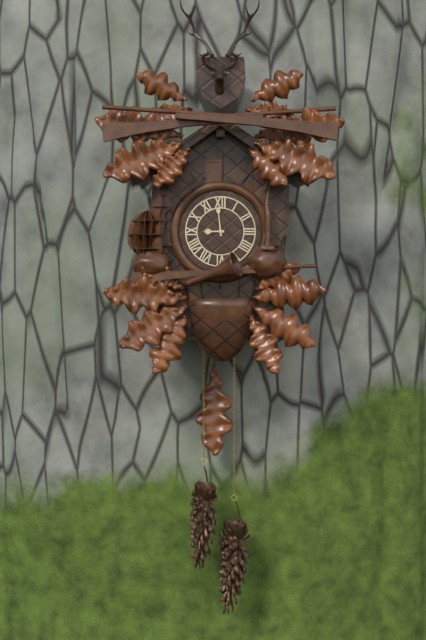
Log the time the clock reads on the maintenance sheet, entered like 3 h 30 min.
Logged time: 8 h 59 min
